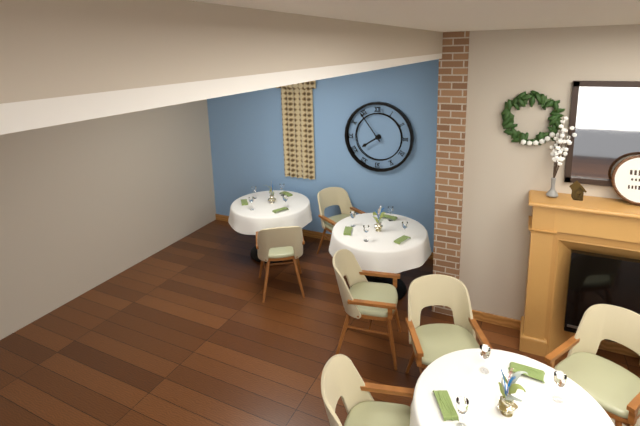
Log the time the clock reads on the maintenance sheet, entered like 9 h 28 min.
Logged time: 7 h 54 min
